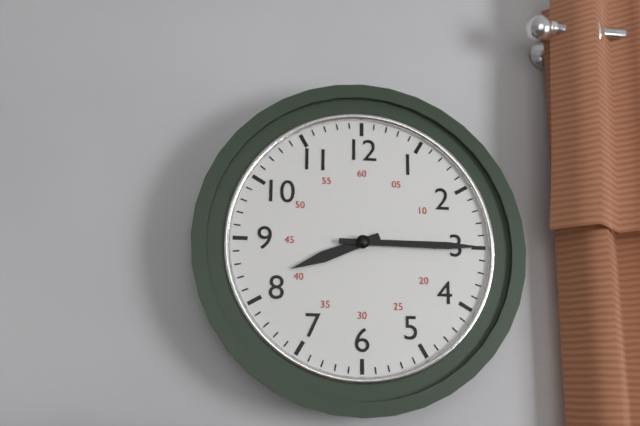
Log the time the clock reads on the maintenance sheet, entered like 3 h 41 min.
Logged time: 8 h 15 min
